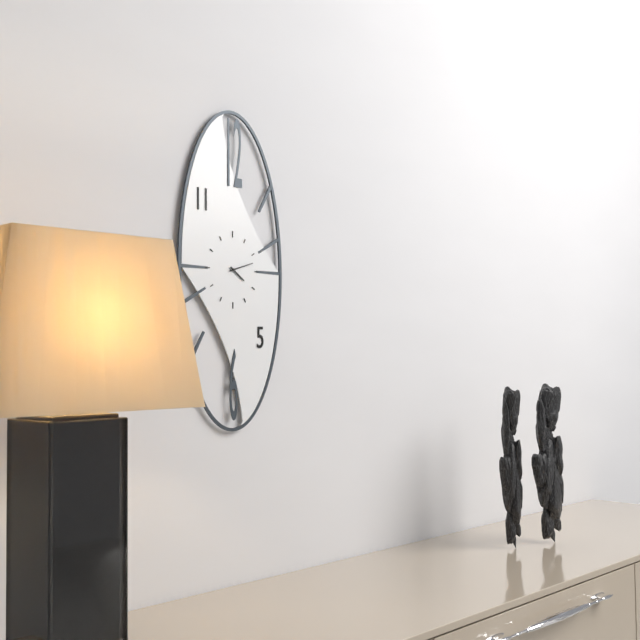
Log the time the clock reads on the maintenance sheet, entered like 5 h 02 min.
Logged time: 4 h 12 min
